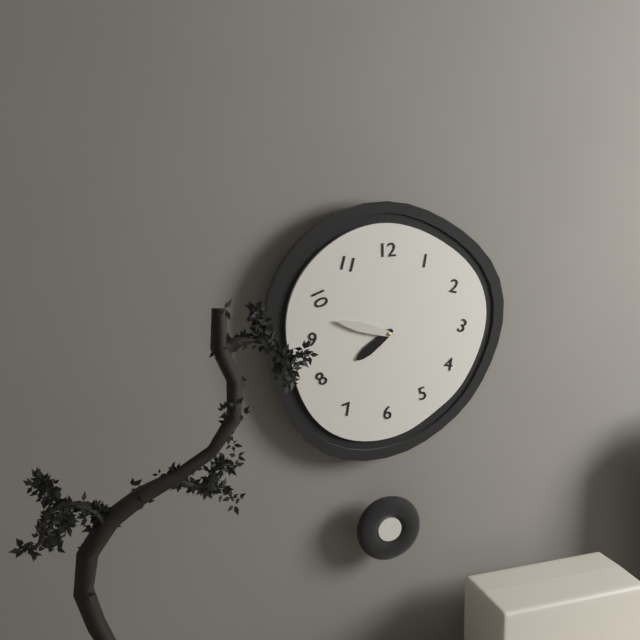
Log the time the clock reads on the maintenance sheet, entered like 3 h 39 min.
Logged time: 7 h 48 min
